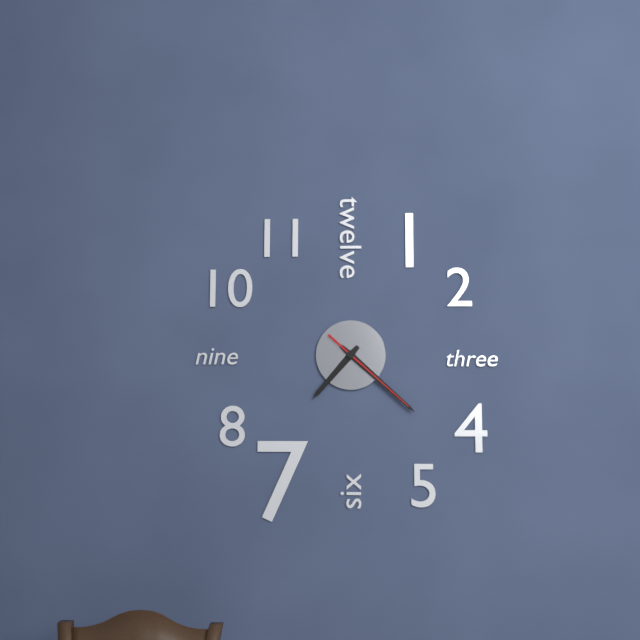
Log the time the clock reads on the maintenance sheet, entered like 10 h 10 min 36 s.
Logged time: 7 h 22 min 22 s
